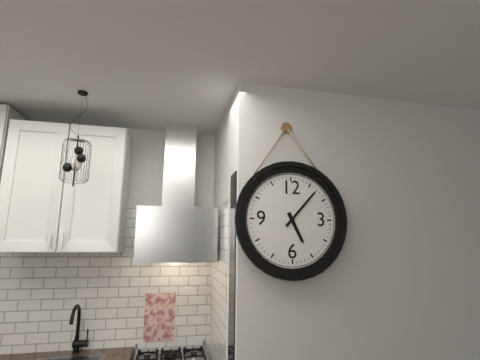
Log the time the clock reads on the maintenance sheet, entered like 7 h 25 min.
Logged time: 5 h 07 min
